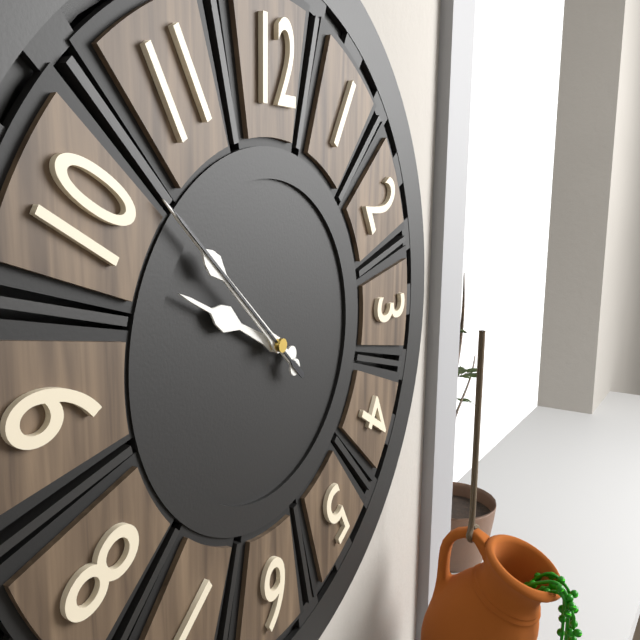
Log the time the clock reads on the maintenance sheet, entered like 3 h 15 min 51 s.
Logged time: 9 h 52 min 52 s
